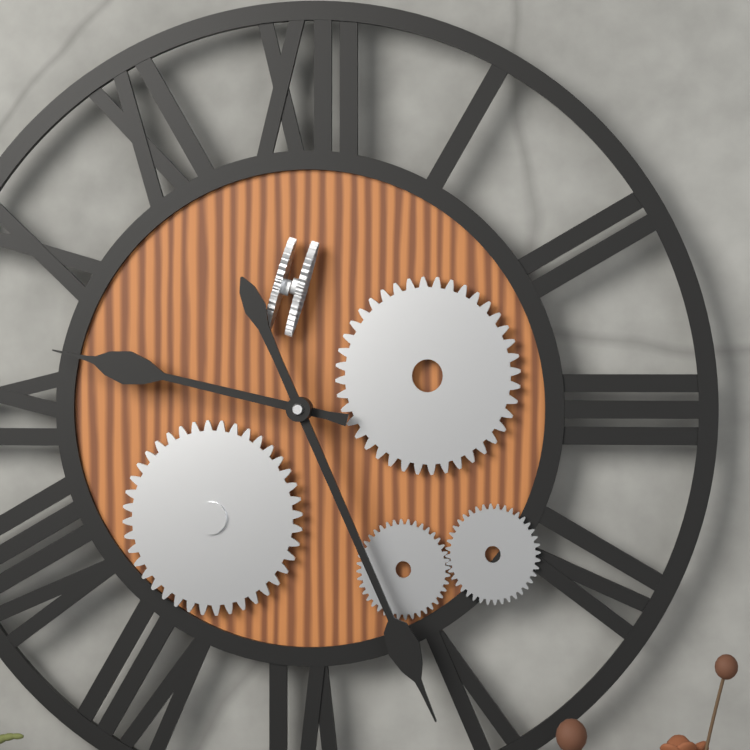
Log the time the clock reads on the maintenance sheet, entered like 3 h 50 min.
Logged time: 9 h 26 min
